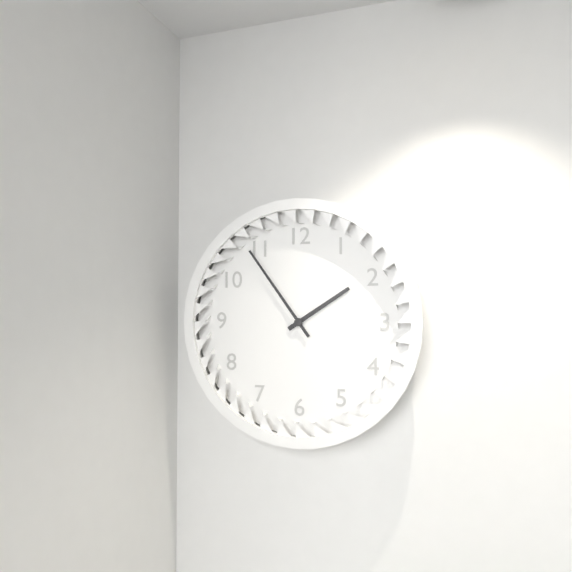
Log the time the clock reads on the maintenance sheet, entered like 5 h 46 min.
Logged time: 1 h 54 min
